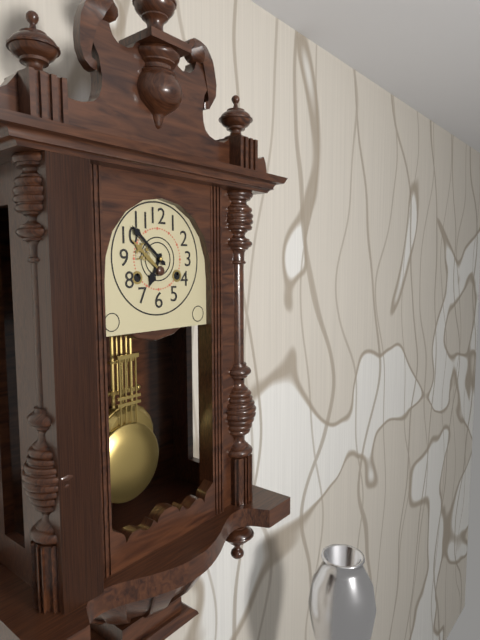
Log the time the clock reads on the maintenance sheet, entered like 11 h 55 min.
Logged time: 6 h 52 min
